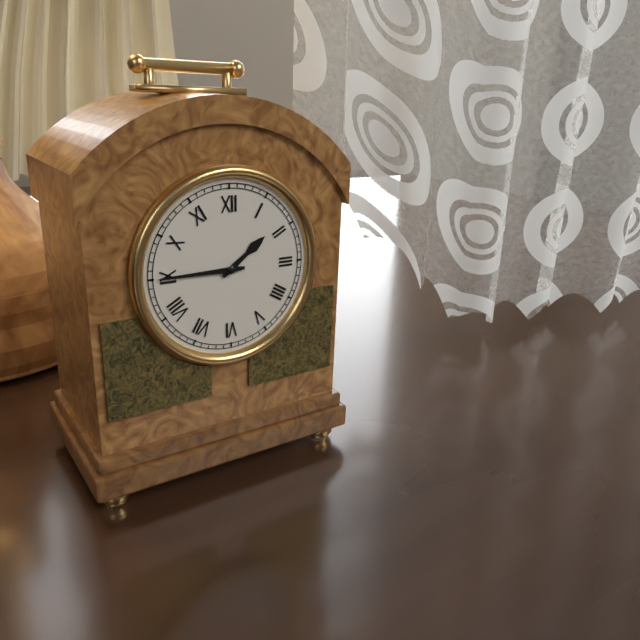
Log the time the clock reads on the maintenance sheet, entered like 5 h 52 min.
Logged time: 1 h 45 min
